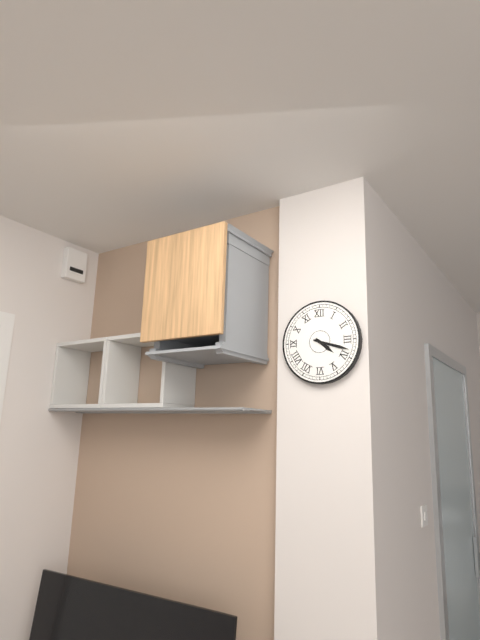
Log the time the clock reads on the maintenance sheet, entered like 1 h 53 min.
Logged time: 4 h 18 min
